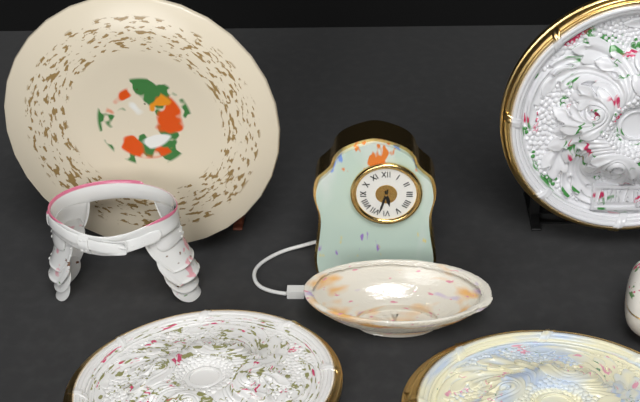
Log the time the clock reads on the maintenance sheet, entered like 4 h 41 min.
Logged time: 5 h 33 min
